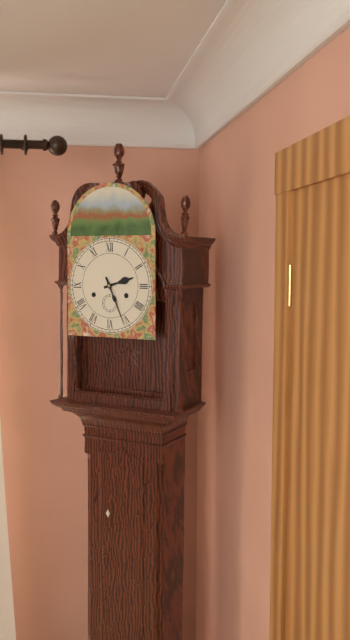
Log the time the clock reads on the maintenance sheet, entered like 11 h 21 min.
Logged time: 2 h 26 min
